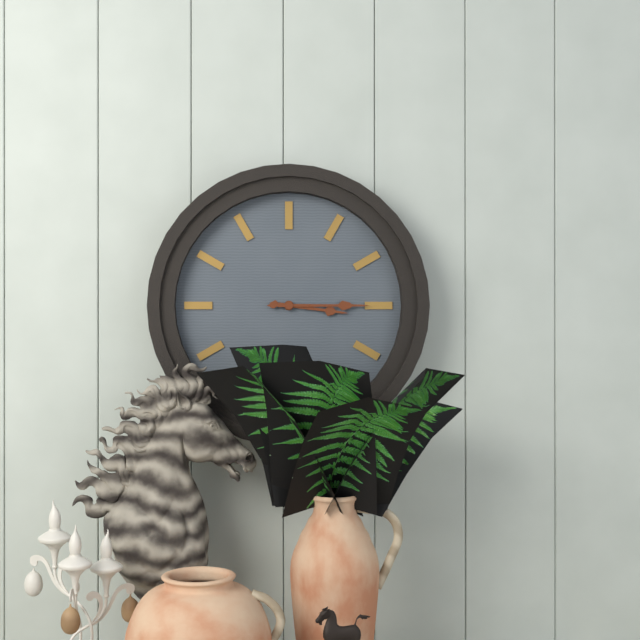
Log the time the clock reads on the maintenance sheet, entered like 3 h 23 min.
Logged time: 3 h 15 min
